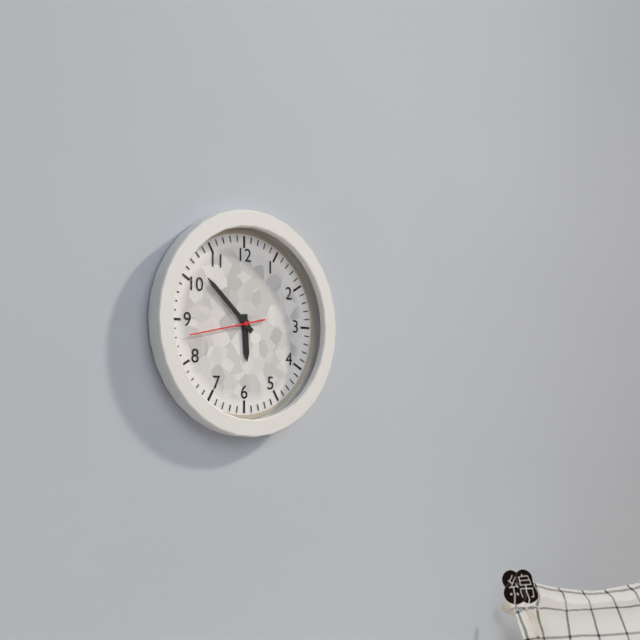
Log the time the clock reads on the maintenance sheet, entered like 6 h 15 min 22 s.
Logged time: 5 h 52 min 43 s
